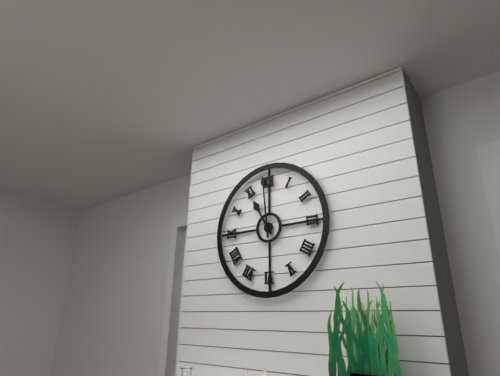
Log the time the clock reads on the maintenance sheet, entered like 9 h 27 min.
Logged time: 10 h 59 min
